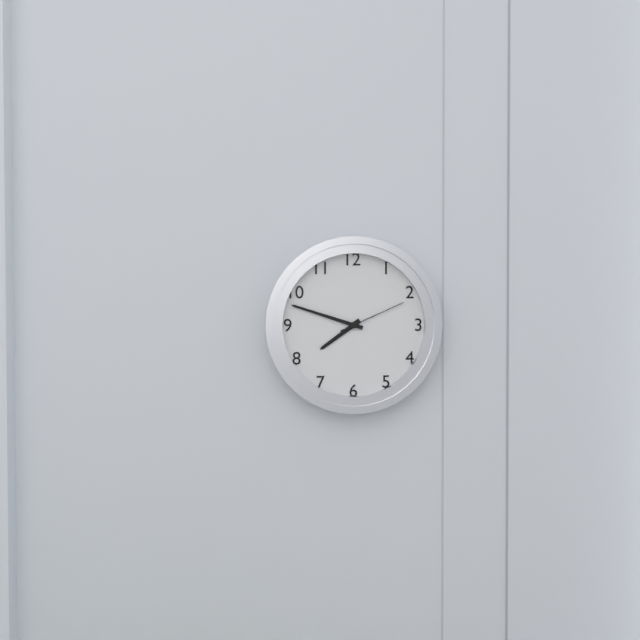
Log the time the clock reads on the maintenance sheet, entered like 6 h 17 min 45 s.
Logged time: 7 h 48 min 11 s
